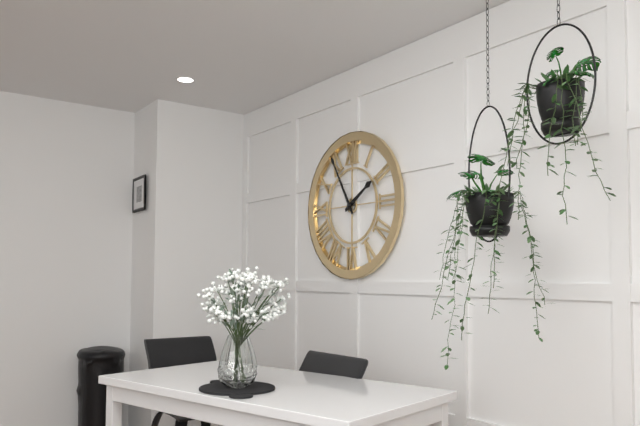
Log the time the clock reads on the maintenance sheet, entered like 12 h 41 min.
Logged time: 1 h 55 min
